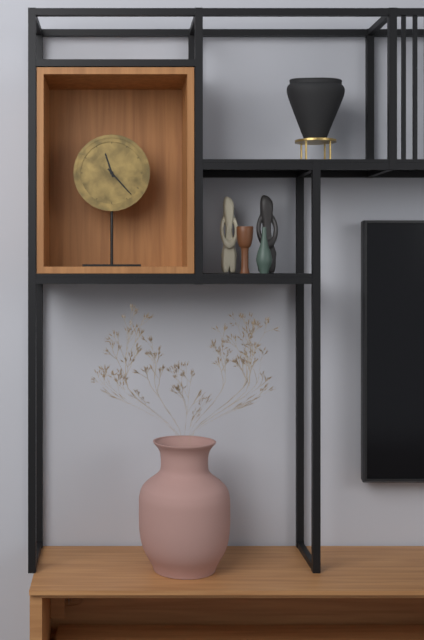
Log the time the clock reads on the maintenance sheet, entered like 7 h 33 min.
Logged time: 11 h 23 min
